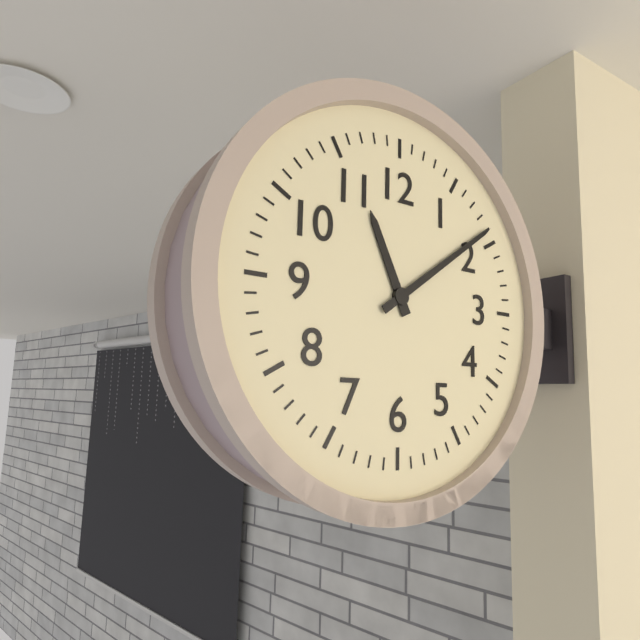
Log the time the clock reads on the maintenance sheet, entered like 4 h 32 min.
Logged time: 11 h 09 min
